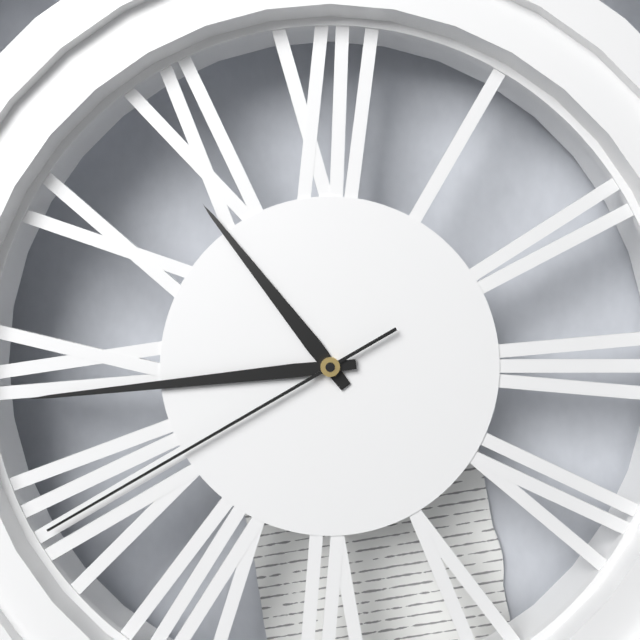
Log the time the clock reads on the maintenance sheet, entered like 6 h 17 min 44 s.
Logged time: 10 h 44 min 40 s
